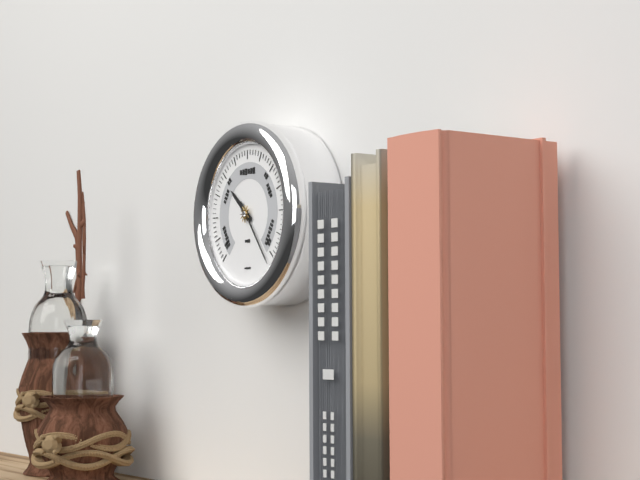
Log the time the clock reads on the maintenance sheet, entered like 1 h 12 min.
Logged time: 10 h 24 min
